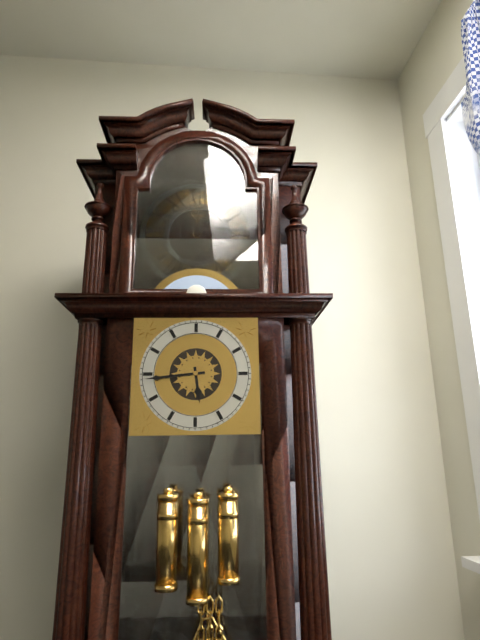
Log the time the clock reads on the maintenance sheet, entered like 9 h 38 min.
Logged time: 5 h 44 min
